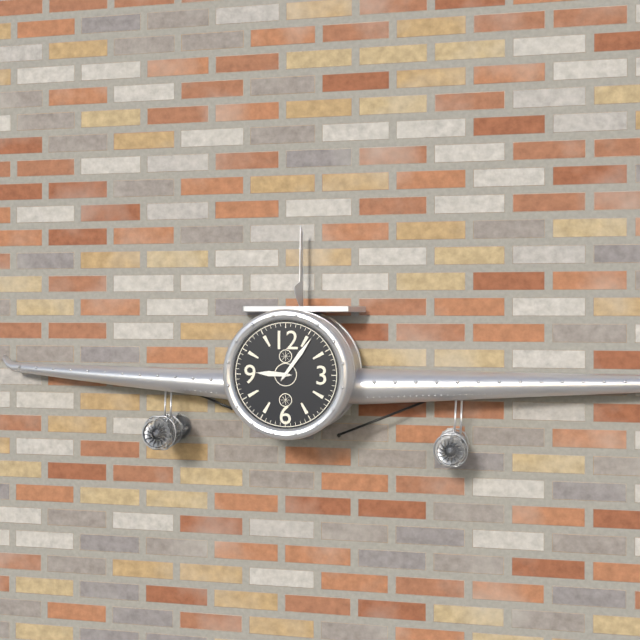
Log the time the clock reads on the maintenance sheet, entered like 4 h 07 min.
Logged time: 9 h 06 min
